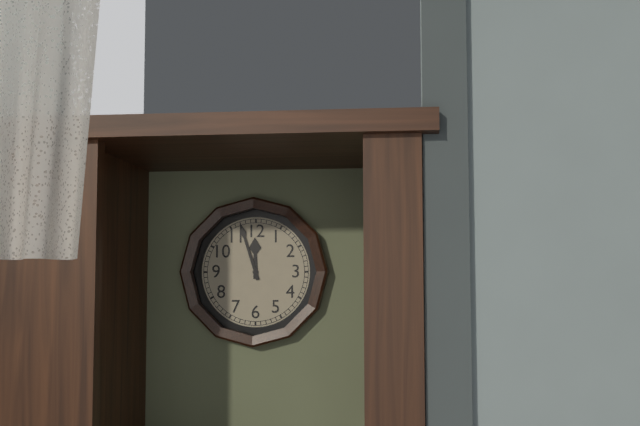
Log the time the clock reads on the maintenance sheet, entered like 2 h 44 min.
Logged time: 11 h 57 min
